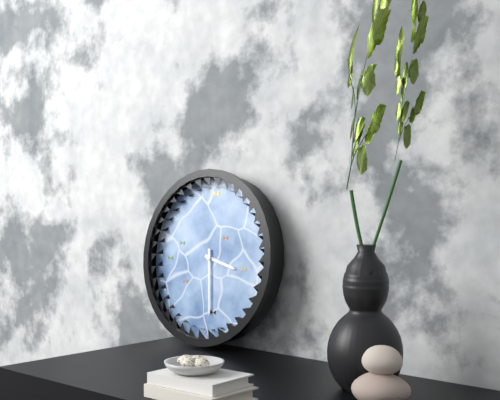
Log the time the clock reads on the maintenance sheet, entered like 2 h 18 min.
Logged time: 3 h 29 min
